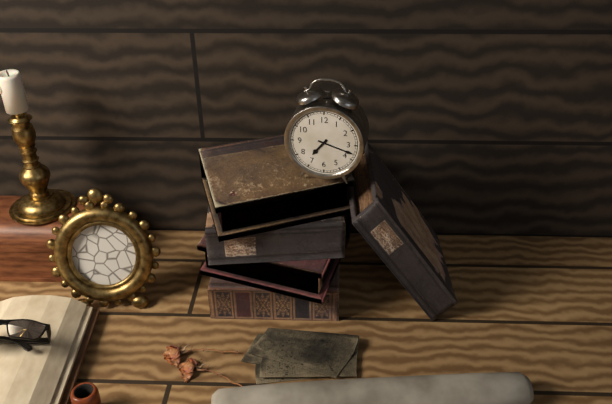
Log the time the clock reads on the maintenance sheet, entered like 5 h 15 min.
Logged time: 7 h 18 min
